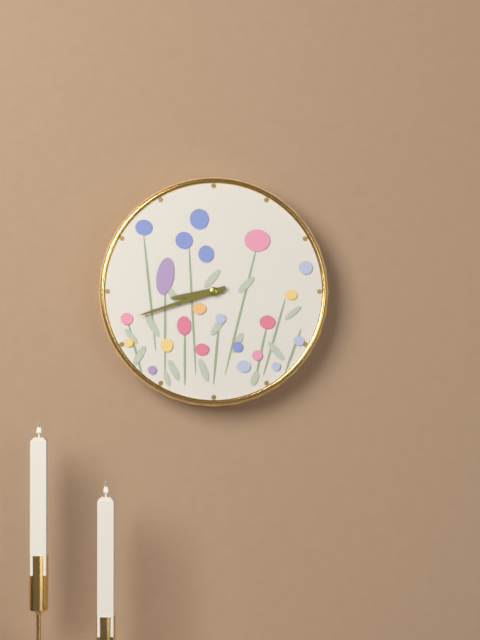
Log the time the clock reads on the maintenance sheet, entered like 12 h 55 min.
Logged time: 8 h 42 min
